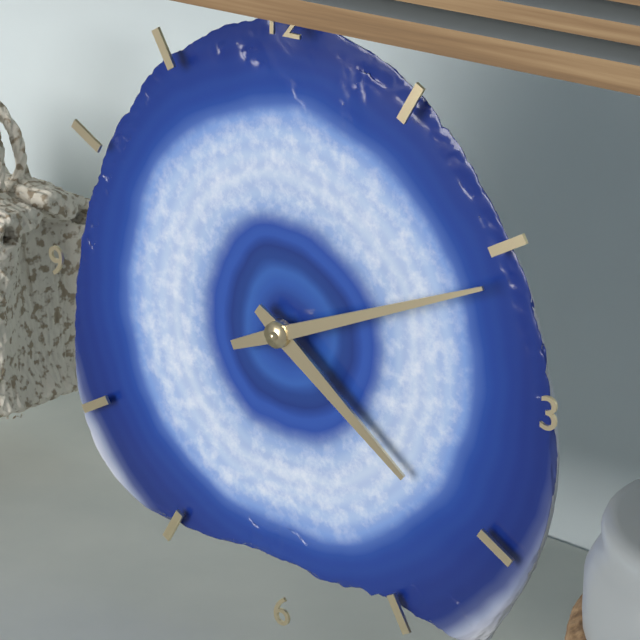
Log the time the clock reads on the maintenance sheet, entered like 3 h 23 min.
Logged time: 4 h 11 min
